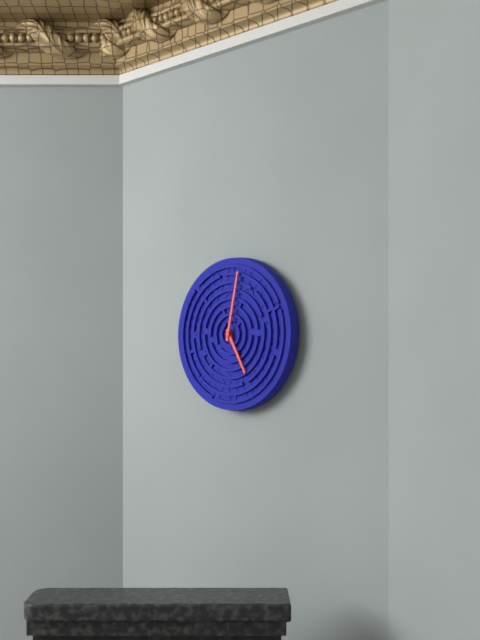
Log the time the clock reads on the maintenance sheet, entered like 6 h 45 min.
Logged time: 5 h 02 min
